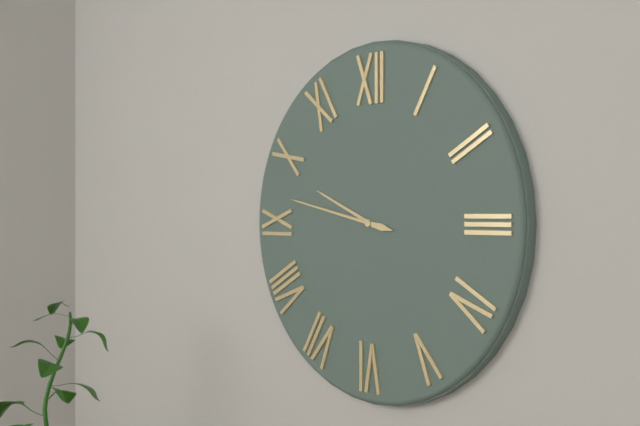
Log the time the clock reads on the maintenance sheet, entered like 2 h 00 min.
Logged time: 9 h 47 min
